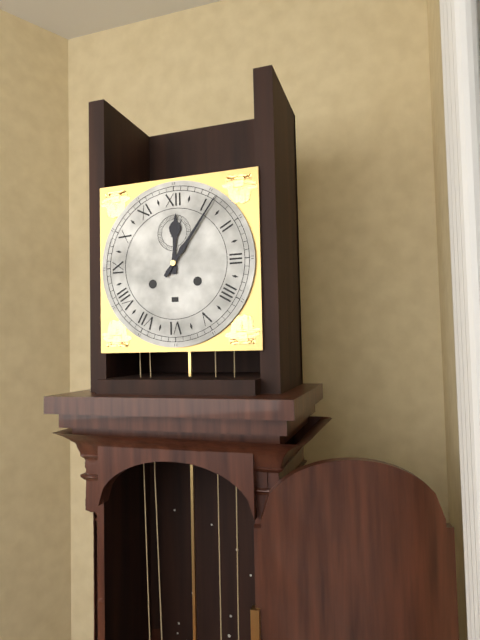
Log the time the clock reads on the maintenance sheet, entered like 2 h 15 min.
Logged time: 12 h 06 min
